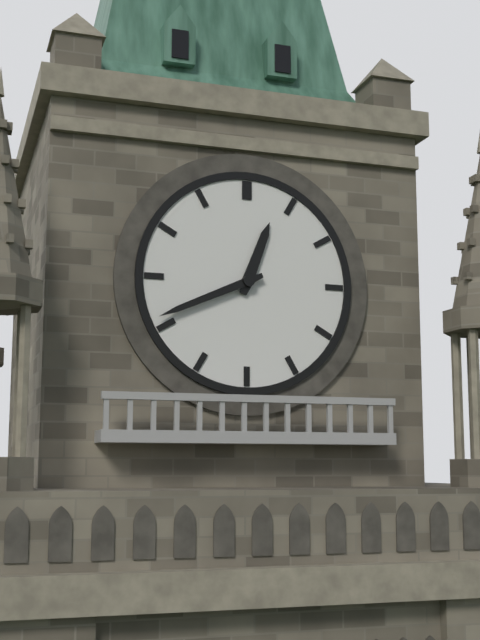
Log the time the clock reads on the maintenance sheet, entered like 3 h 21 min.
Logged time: 12 h 41 min
